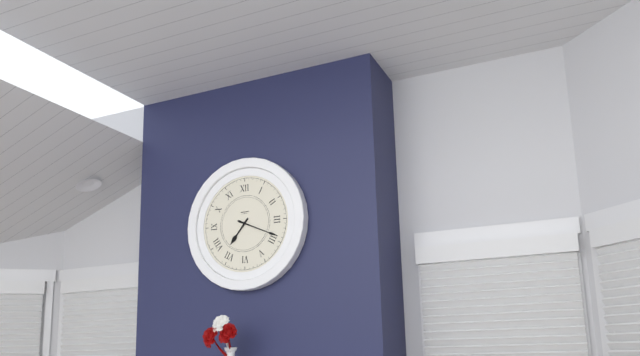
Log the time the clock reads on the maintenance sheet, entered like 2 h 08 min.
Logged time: 7 h 19 min
